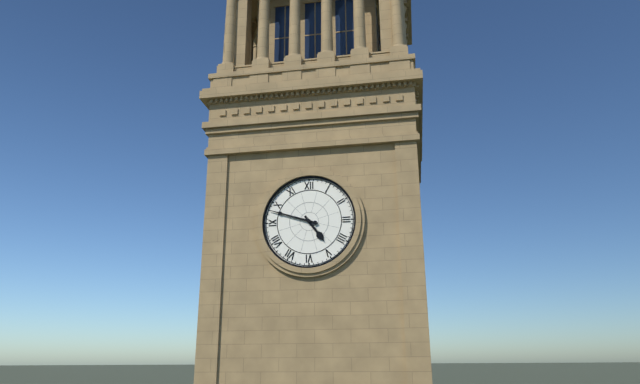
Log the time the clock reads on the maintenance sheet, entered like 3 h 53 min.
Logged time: 4 h 48 min
